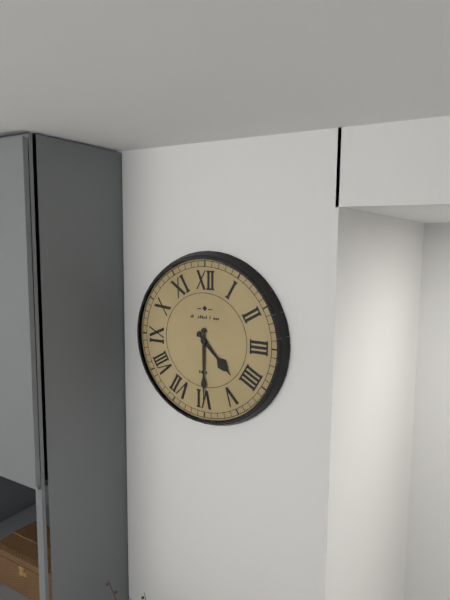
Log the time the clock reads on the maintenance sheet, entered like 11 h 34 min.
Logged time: 4 h 30 min
